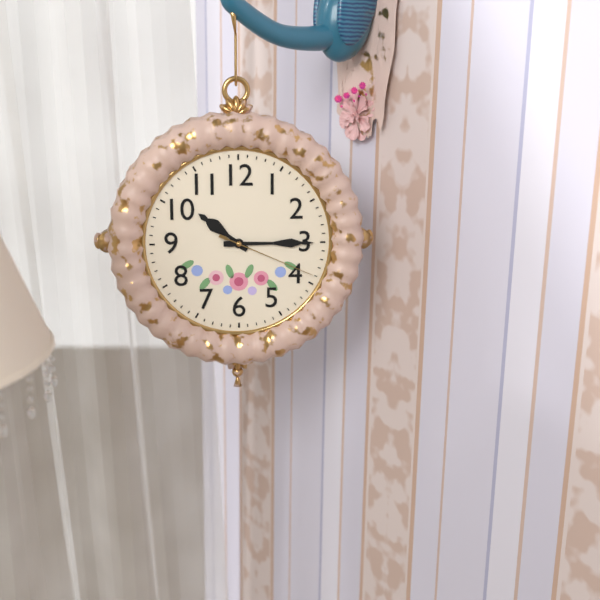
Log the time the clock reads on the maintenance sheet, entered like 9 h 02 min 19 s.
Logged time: 10 h 15 min 19 s
